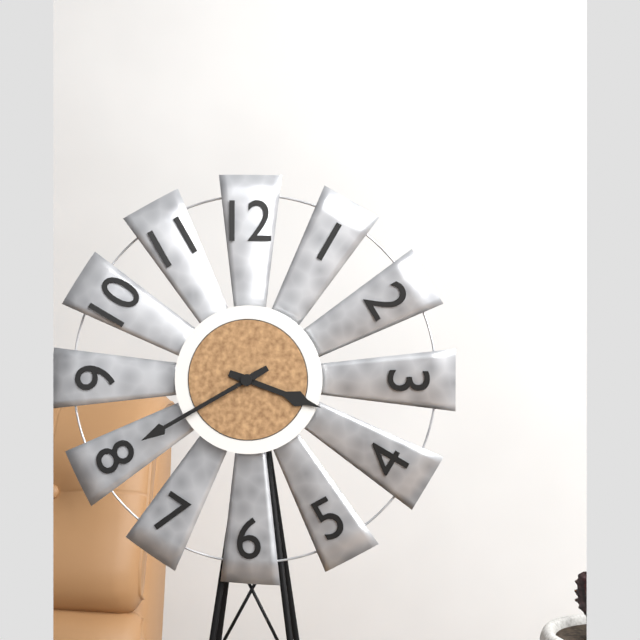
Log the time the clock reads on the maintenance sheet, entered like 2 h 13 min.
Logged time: 3 h 40 min
